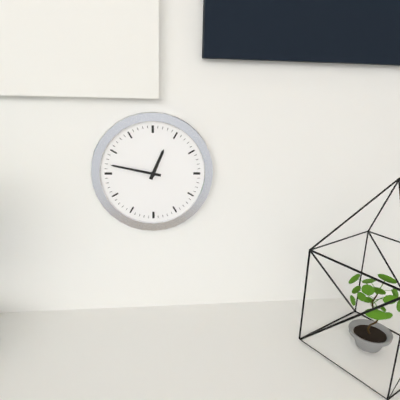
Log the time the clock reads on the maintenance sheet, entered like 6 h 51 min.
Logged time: 12 h 47 min
